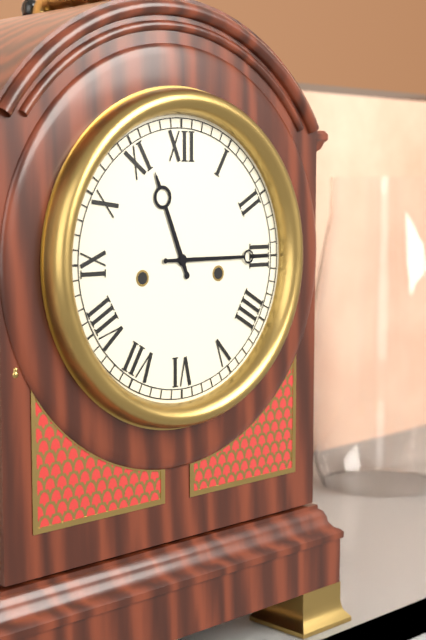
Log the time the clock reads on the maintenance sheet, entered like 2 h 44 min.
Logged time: 11 h 15 min
